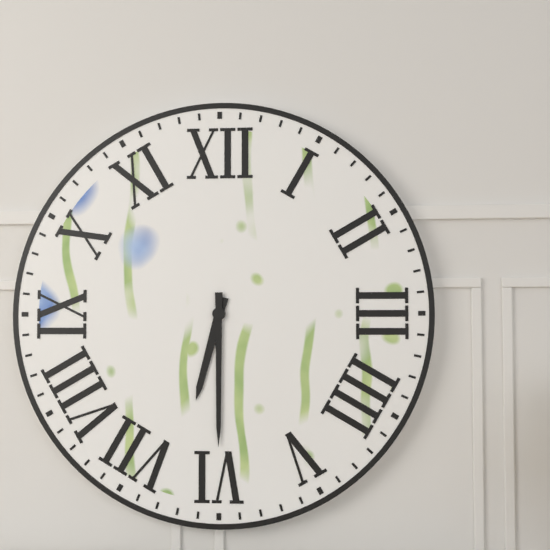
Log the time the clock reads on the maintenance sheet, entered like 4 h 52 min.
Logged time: 6 h 30 min
